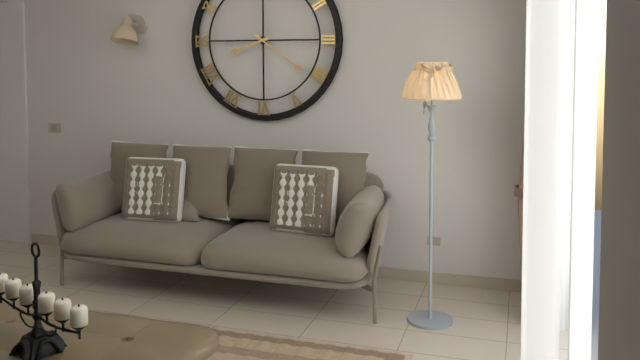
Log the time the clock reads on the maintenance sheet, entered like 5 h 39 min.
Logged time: 8 h 21 min
